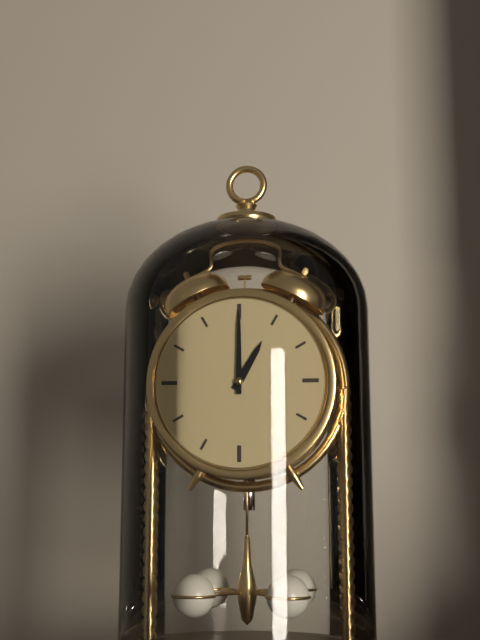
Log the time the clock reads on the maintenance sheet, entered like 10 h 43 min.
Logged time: 1 h 00 min
